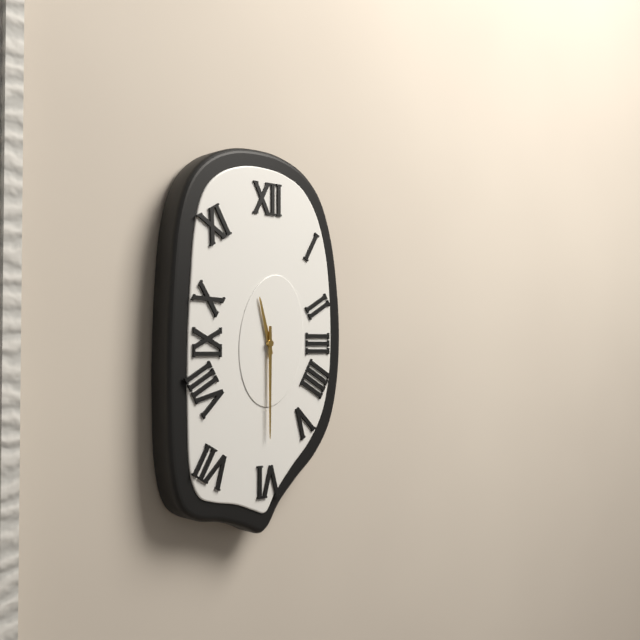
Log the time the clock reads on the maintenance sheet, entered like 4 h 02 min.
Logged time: 11 h 30 min
